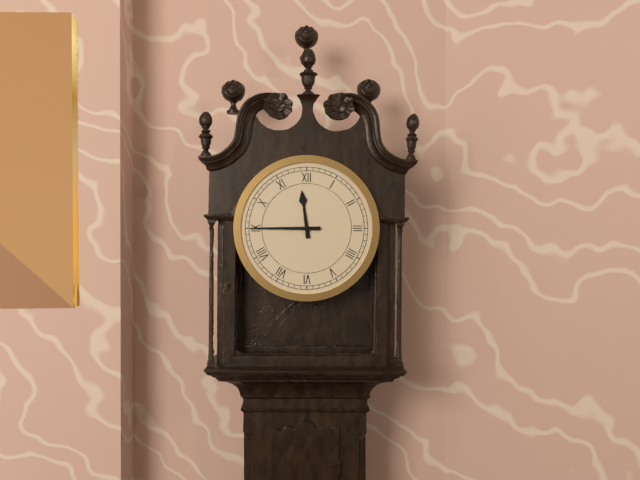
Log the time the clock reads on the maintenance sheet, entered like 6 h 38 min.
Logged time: 11 h 45 min
